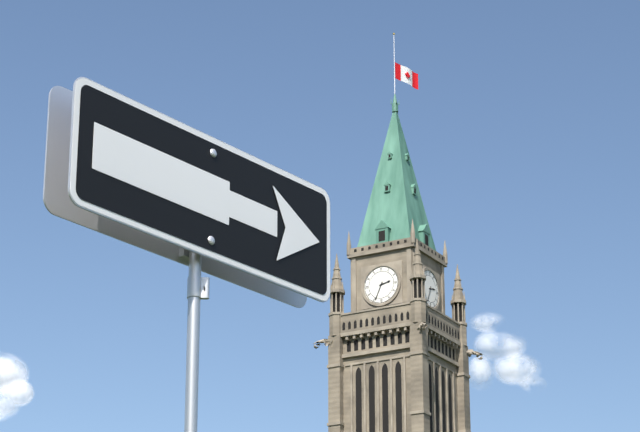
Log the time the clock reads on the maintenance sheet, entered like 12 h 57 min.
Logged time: 2 h 34 min
